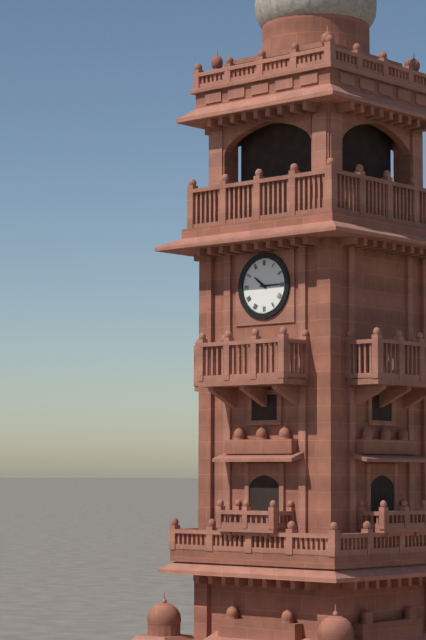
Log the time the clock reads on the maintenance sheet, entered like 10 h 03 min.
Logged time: 10 h 15 min
